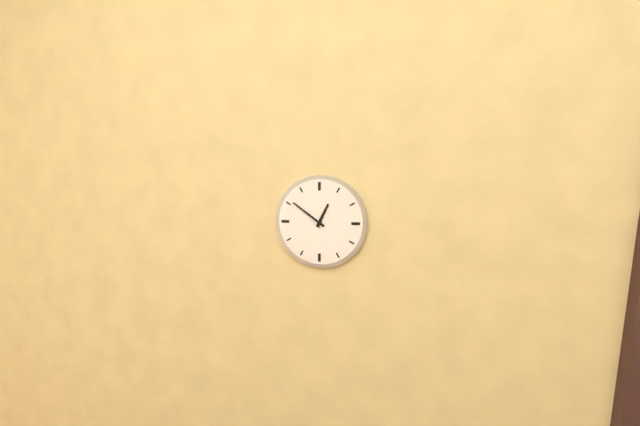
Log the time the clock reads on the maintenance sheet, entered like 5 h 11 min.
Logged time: 12 h 51 min
